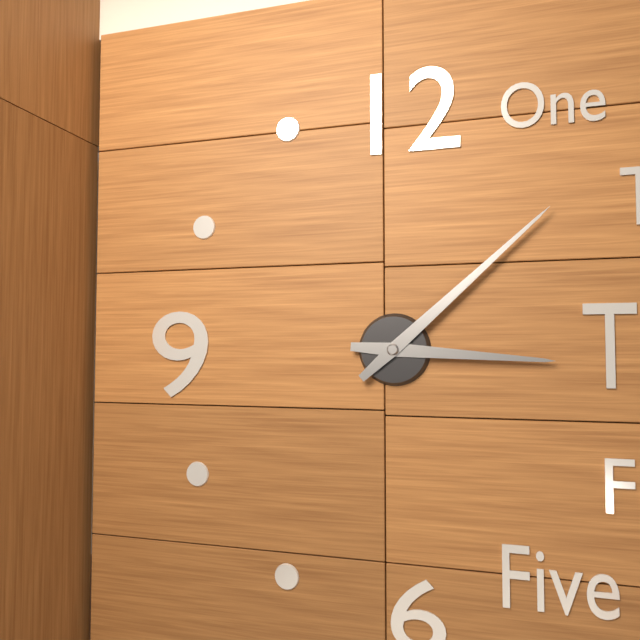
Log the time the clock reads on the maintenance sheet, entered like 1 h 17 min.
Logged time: 3 h 08 min
